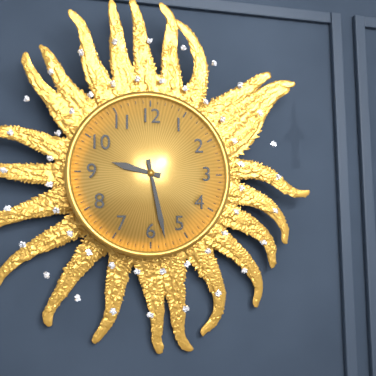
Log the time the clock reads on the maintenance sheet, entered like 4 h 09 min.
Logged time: 9 h 28 min
